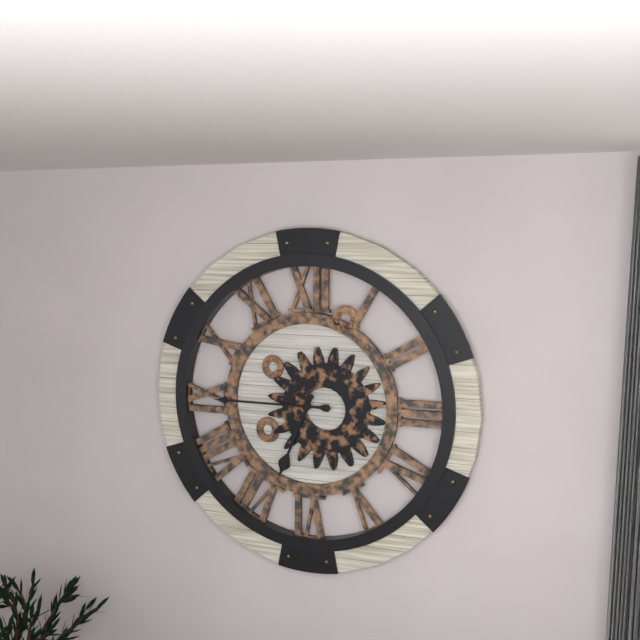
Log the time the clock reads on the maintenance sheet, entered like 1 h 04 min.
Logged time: 6 h 45 min
